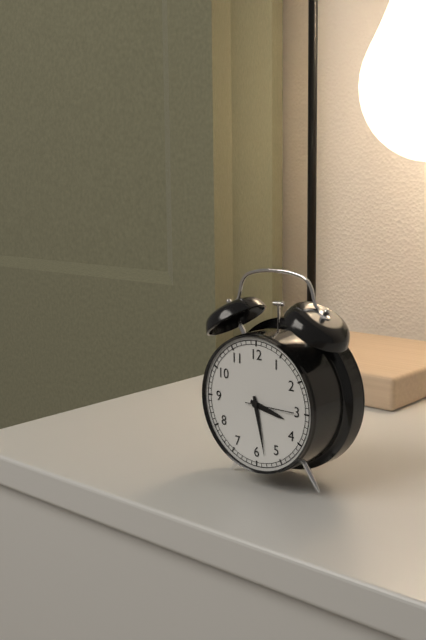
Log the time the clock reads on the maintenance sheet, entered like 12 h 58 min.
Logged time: 3 h 28 min
